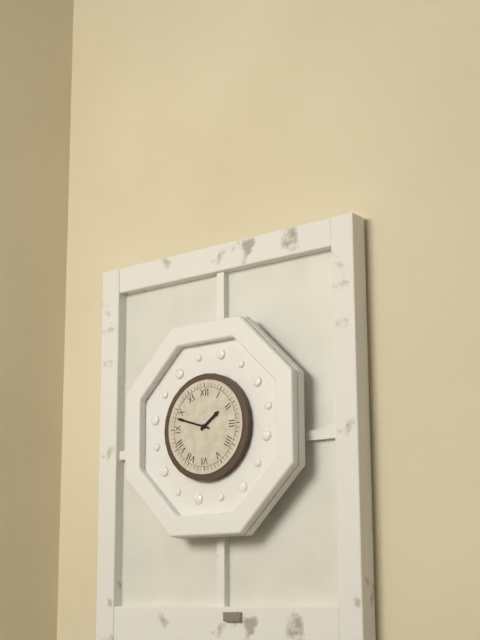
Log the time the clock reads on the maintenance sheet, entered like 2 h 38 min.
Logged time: 1 h 48 min
